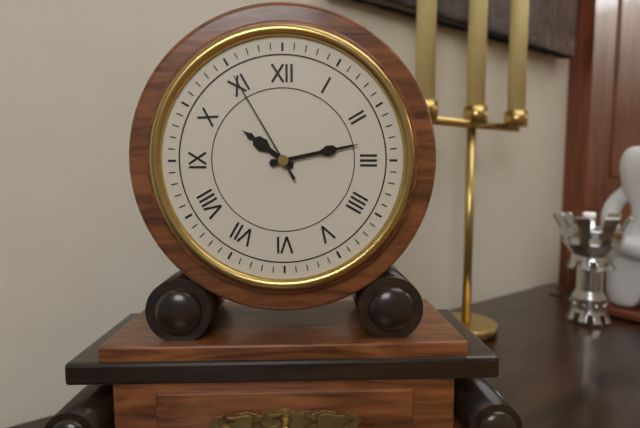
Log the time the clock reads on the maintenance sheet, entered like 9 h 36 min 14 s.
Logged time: 10 h 13 min 55 s
